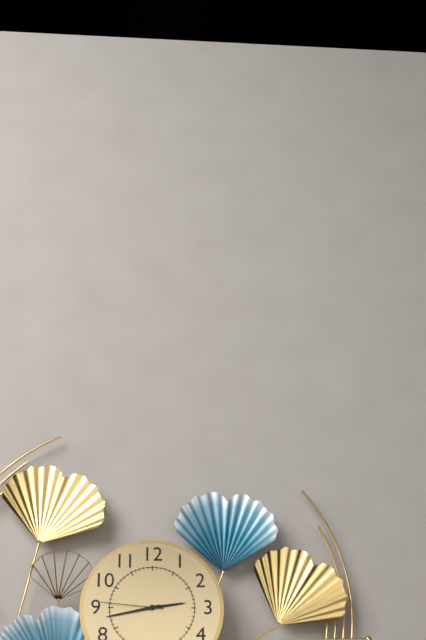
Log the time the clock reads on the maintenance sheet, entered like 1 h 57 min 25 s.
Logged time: 2 h 43 min 46 s
